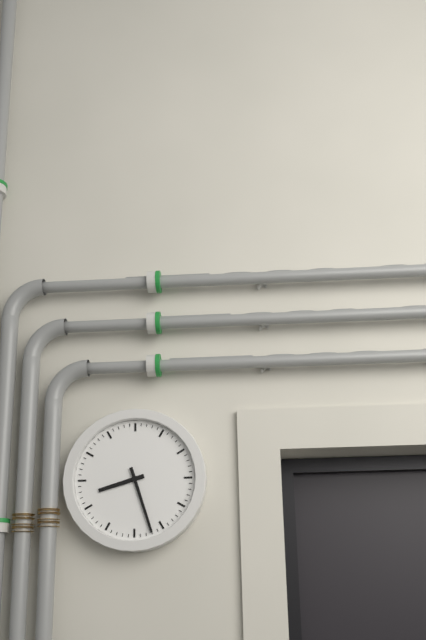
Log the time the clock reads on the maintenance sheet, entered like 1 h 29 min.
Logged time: 8 h 27 min
